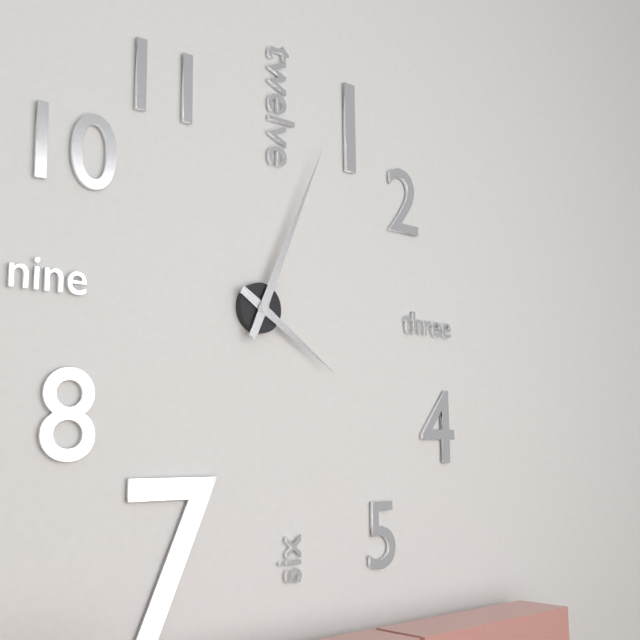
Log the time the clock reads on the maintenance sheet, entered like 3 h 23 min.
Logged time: 4 h 04 min
